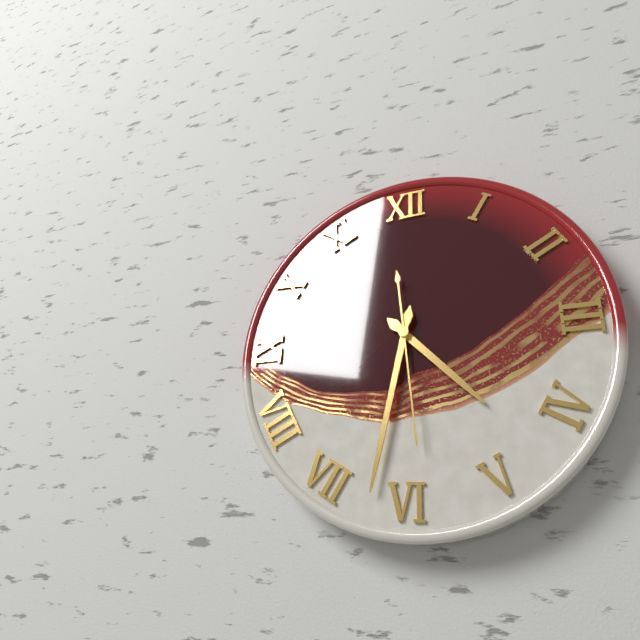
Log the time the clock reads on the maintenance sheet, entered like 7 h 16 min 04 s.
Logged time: 4 h 32 min 29 s
